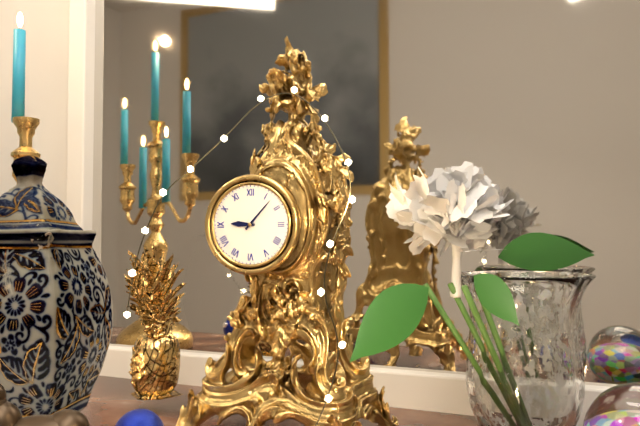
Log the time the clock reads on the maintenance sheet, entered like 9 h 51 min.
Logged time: 9 h 07 min
